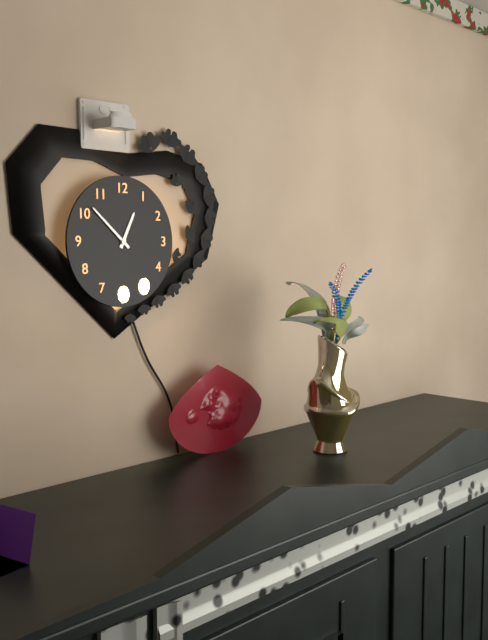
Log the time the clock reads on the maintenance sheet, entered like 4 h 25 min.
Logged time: 12 h 52 min
